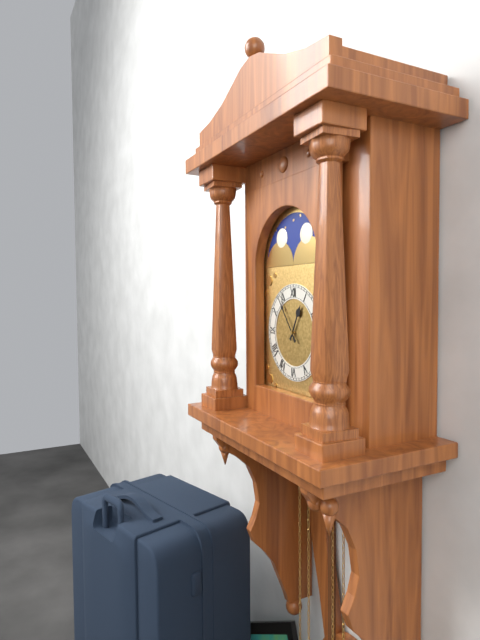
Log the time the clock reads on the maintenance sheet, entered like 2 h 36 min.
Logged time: 12 h 54 min
